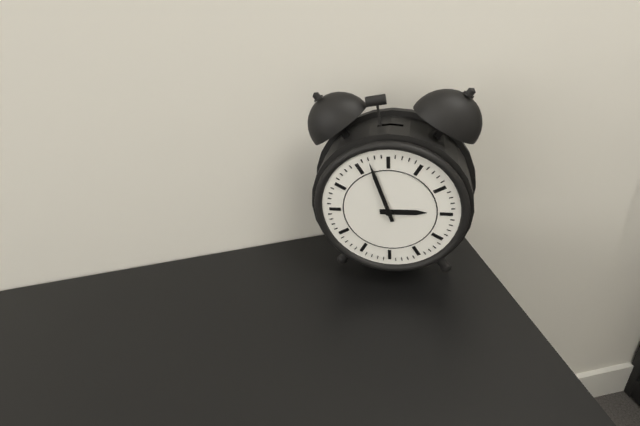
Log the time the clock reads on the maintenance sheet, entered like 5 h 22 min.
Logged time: 2 h 57 min
